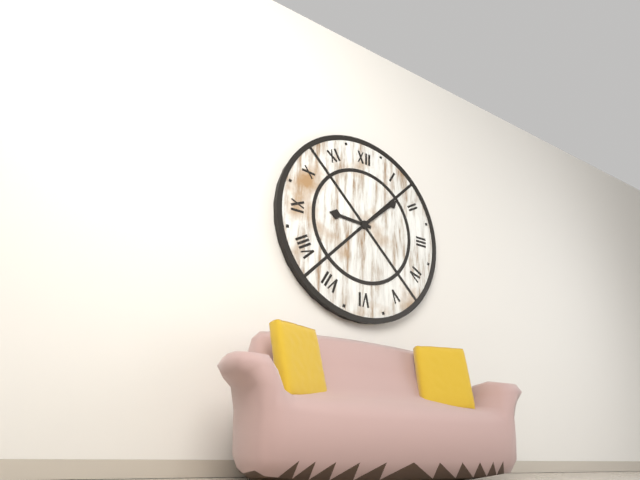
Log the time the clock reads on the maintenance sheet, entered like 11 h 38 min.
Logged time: 9 h 08 min
